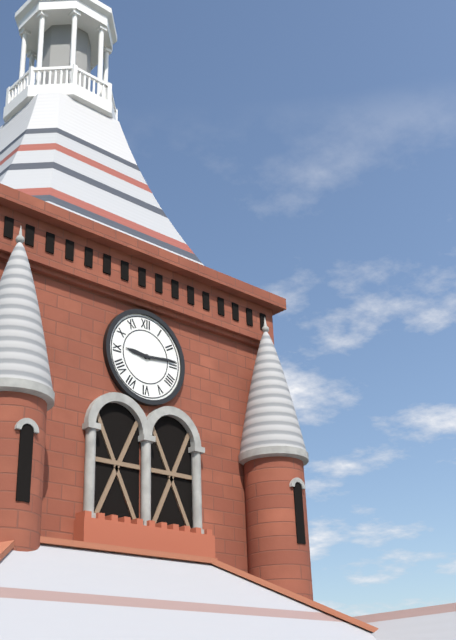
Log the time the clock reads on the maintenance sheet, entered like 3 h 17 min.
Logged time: 9 h 14 min
